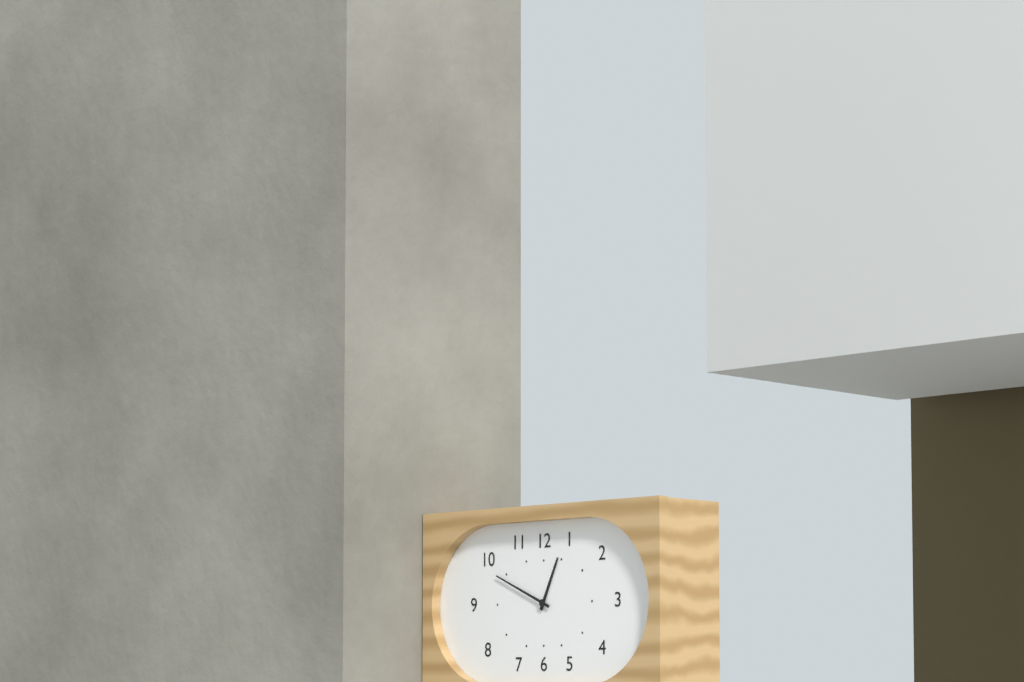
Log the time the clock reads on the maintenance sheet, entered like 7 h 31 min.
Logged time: 12 h 49 min
